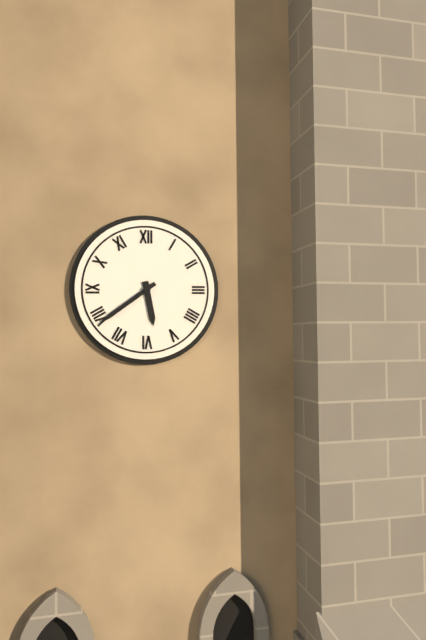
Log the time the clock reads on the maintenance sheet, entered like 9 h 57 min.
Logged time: 5 h 39 min
